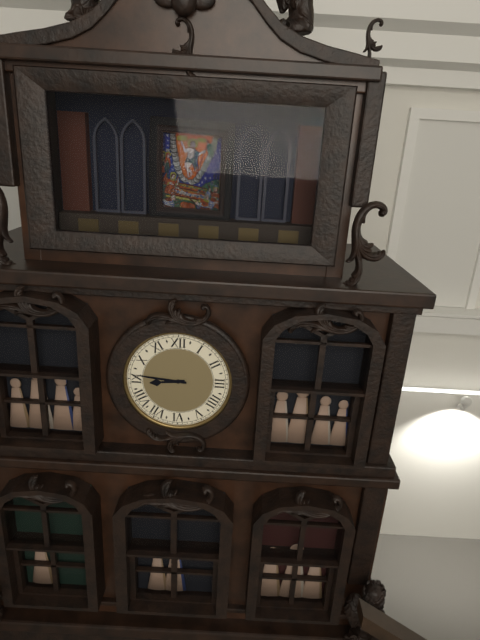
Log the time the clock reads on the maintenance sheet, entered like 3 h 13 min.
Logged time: 8 h 46 min
